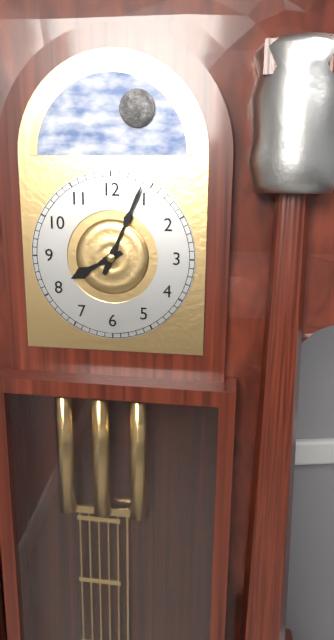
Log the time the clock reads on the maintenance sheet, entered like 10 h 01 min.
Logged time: 8 h 04 min
